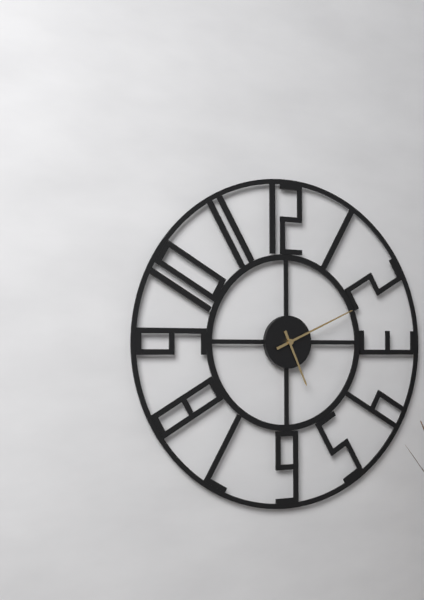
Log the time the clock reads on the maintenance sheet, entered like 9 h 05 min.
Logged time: 5 h 11 min
